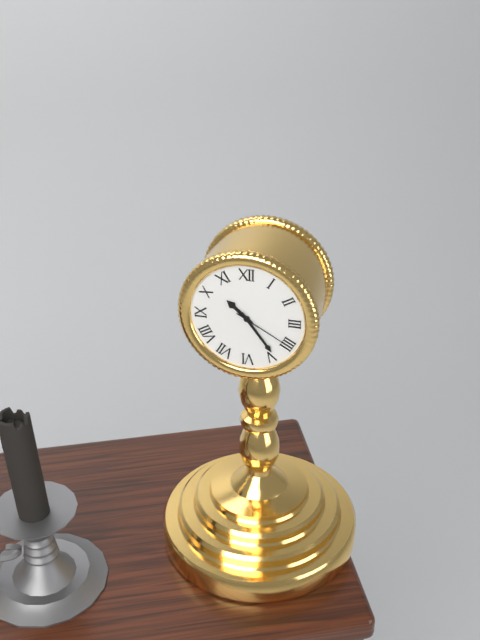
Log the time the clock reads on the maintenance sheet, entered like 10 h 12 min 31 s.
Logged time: 10 h 24 min 20 s
